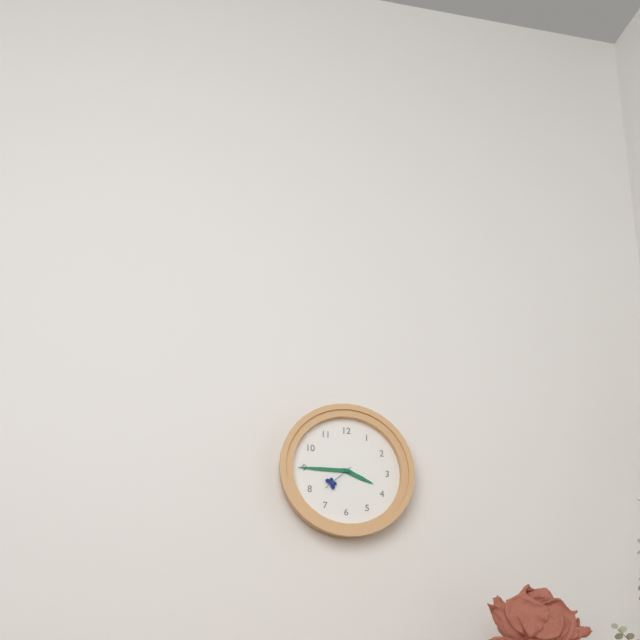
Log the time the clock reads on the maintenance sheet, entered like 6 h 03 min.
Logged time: 3 h 45 min
